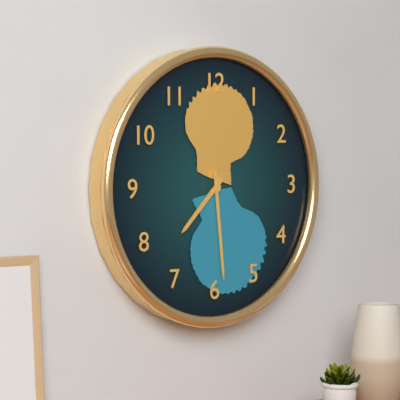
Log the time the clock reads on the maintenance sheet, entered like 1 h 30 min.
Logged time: 7 h 29 min
